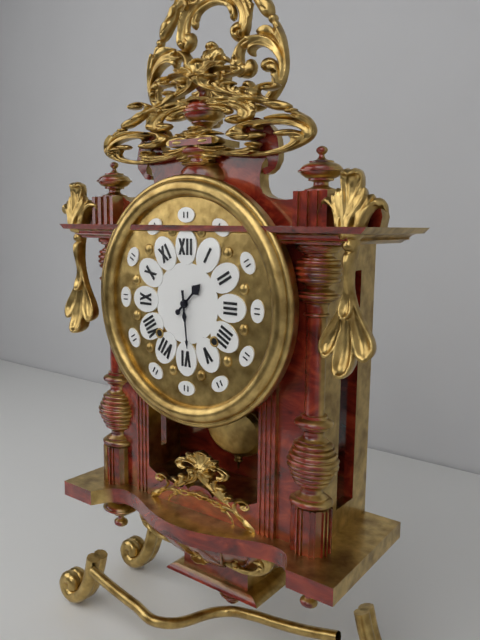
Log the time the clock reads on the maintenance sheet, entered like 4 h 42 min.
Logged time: 1 h 29 min
